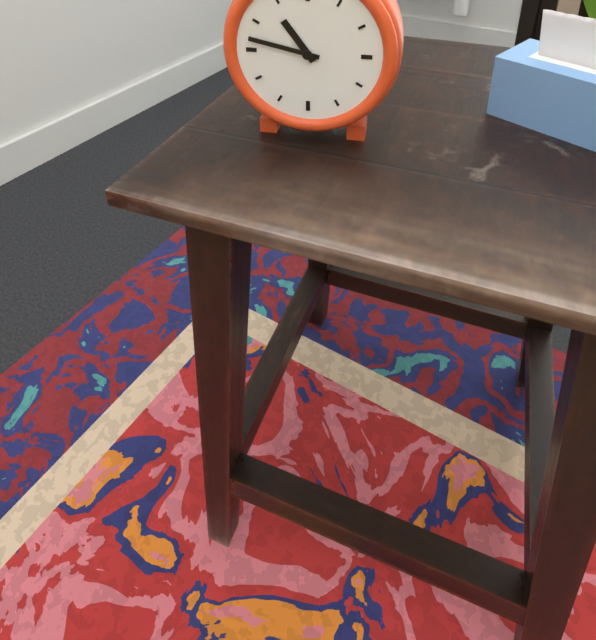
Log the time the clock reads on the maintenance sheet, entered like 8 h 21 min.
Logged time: 10 h 47 min
